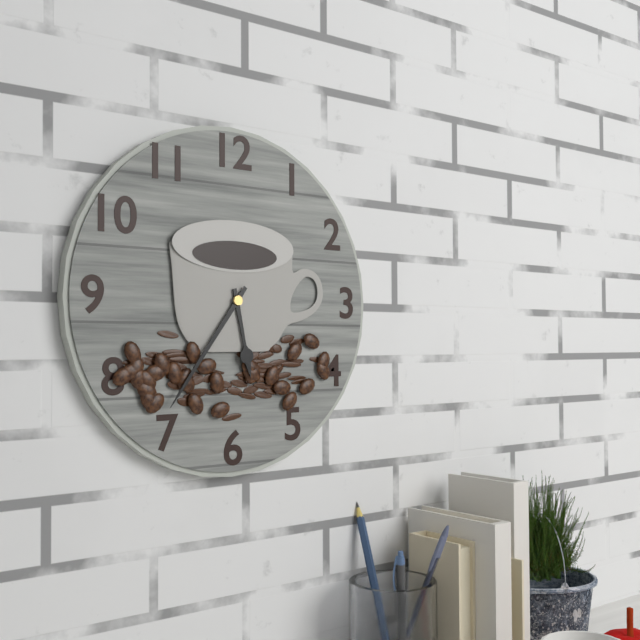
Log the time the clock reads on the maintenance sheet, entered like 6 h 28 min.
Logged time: 5 h 36 min
